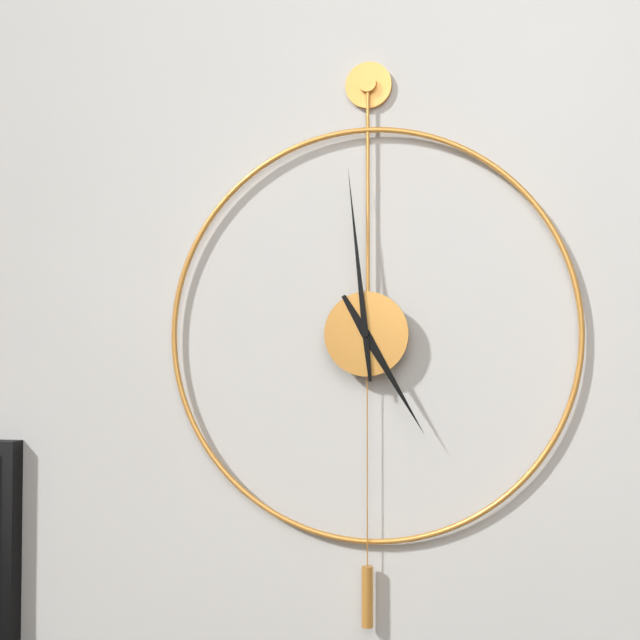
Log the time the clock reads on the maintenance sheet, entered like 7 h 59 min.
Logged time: 4 h 59 min
